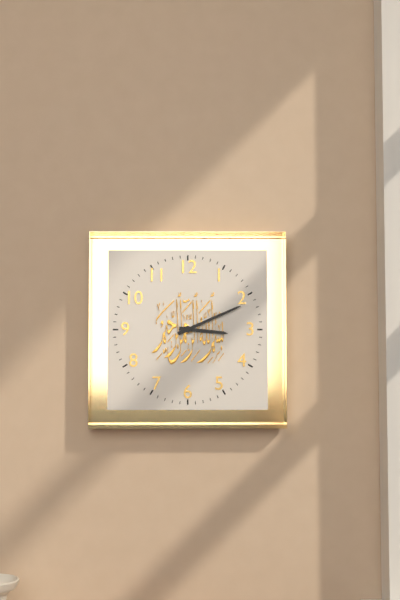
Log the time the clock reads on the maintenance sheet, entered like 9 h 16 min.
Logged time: 3 h 11 min
